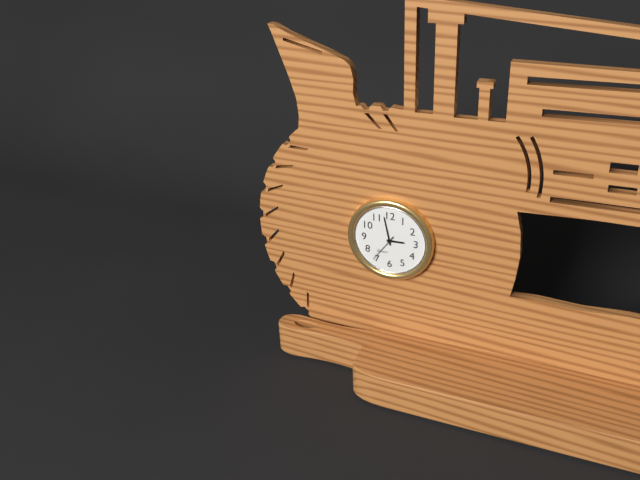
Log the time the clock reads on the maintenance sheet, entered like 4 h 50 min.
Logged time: 2 h 58 min
